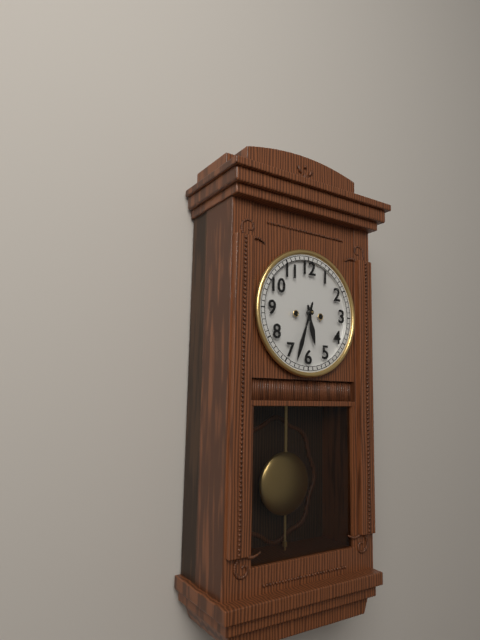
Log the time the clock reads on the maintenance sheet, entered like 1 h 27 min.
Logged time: 5 h 33 min
